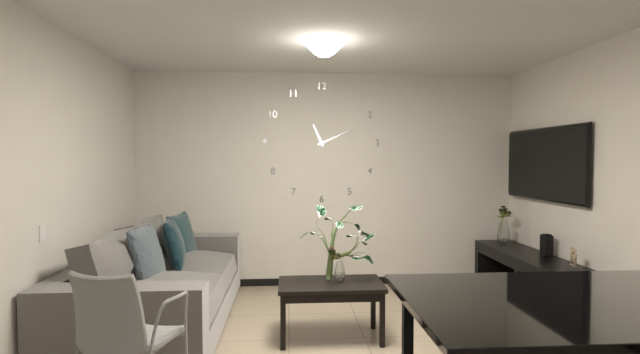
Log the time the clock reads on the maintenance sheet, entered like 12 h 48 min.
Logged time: 11 h 11 min
